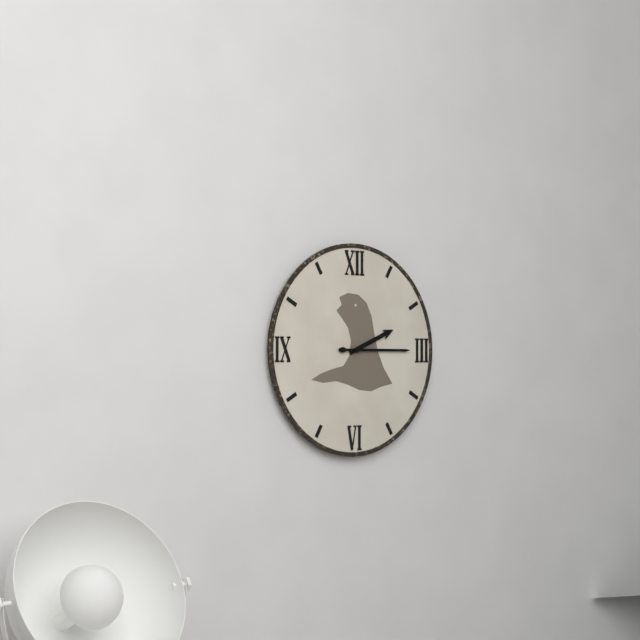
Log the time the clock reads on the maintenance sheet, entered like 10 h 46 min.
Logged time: 2 h 15 min
